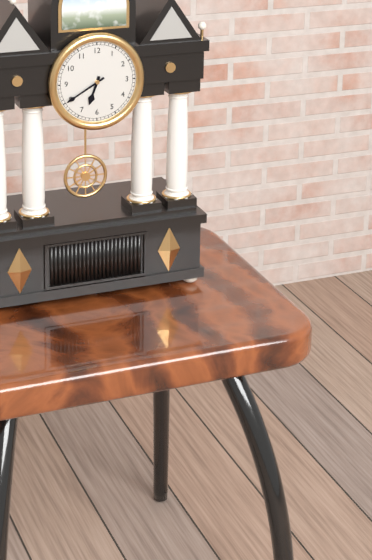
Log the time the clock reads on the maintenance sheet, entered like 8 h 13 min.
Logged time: 6 h 40 min
